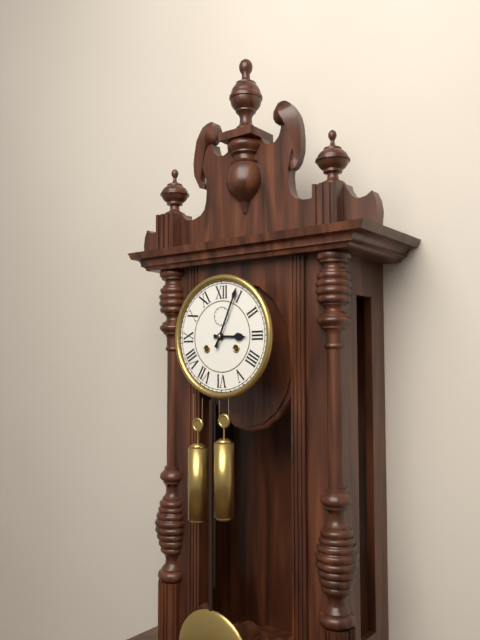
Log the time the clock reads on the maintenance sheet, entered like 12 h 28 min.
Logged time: 3 h 04 min
